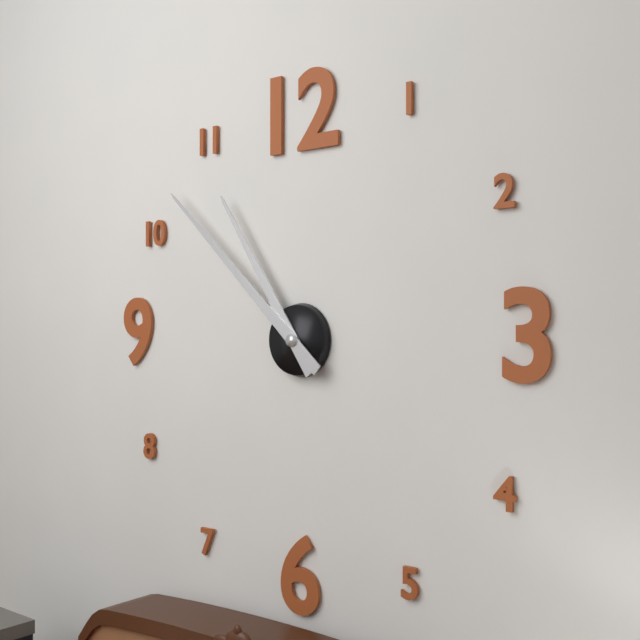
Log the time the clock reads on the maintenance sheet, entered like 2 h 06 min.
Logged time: 10 h 52 min
